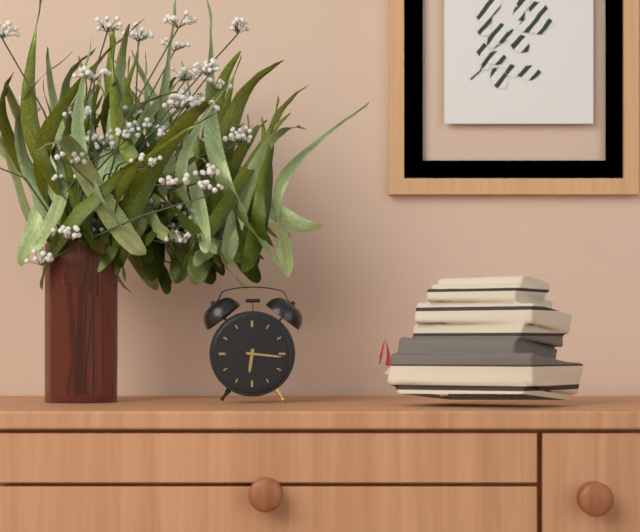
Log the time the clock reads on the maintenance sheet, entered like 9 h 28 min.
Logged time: 6 h 16 min
